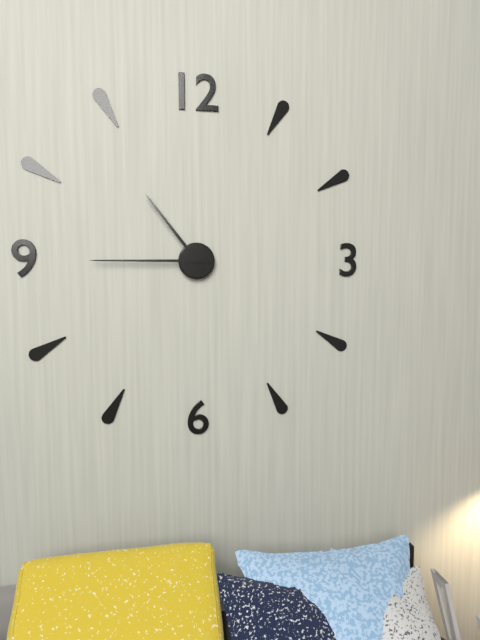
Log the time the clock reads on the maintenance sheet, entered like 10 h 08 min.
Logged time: 10 h 45 min
